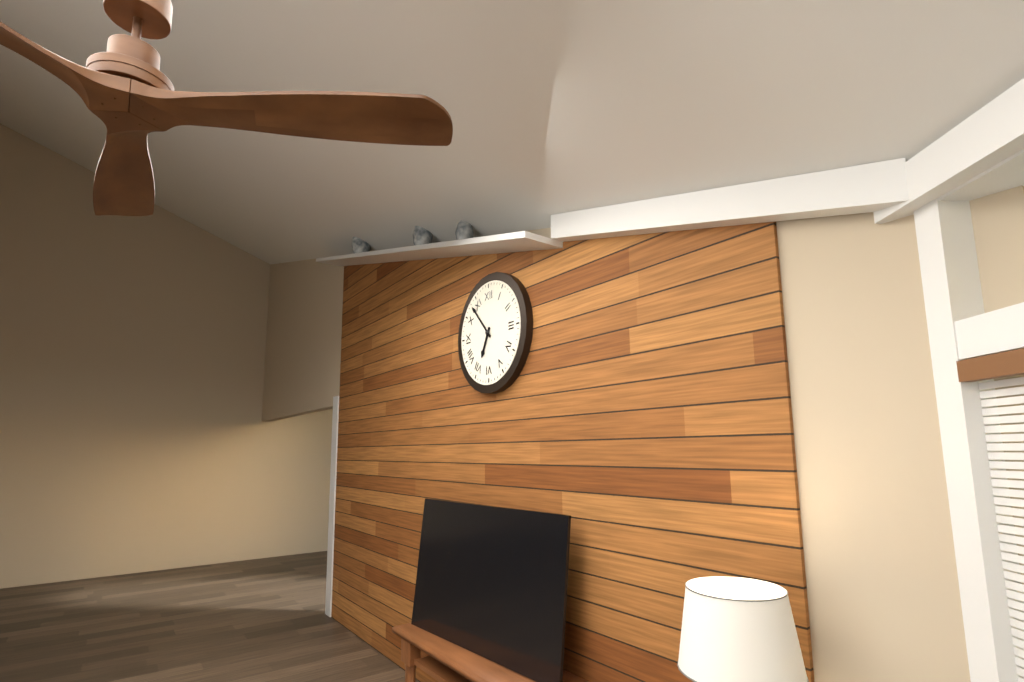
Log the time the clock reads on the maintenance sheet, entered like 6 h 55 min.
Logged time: 6 h 53 min
